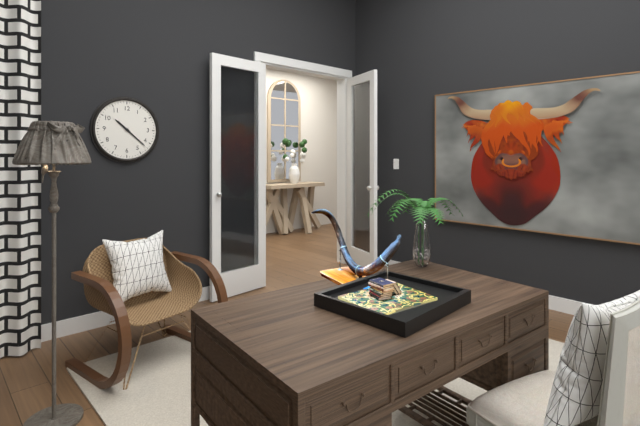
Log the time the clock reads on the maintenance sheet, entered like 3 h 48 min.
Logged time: 10 h 22 min
